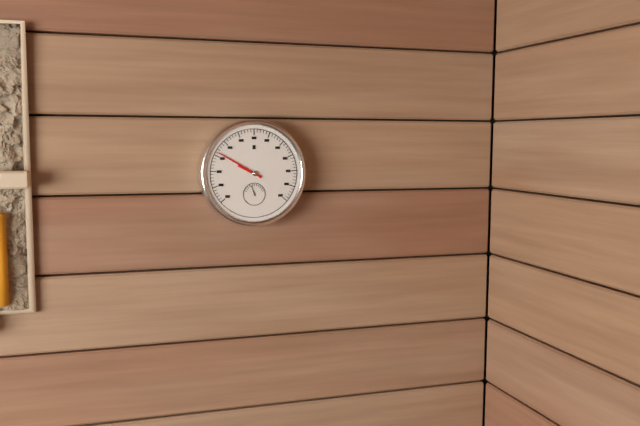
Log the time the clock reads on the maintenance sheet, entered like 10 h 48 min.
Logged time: 9 h 50 min
